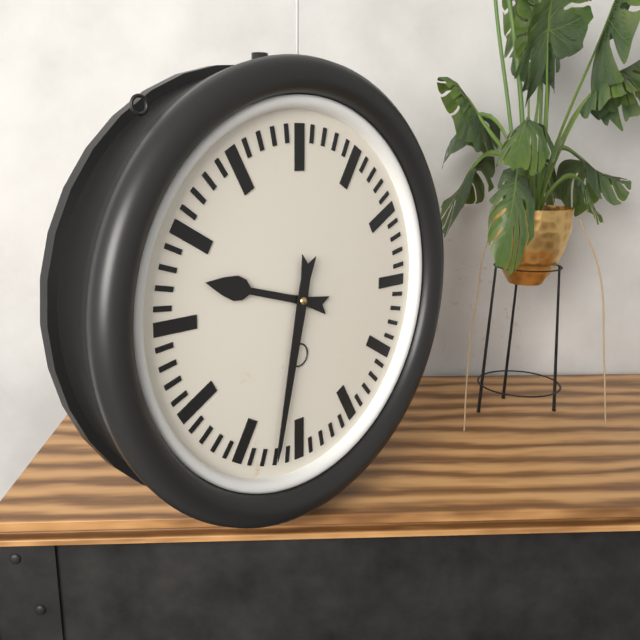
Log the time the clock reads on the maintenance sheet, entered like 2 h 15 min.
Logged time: 9 h 32 min
